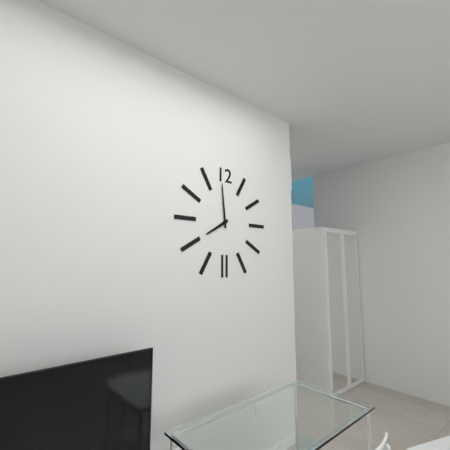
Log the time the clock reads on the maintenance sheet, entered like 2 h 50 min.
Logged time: 7 h 59 min
